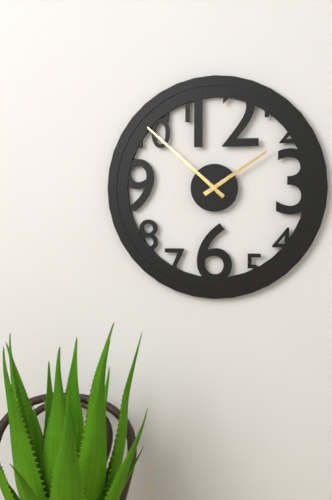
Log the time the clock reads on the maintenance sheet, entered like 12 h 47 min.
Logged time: 1 h 52 min
